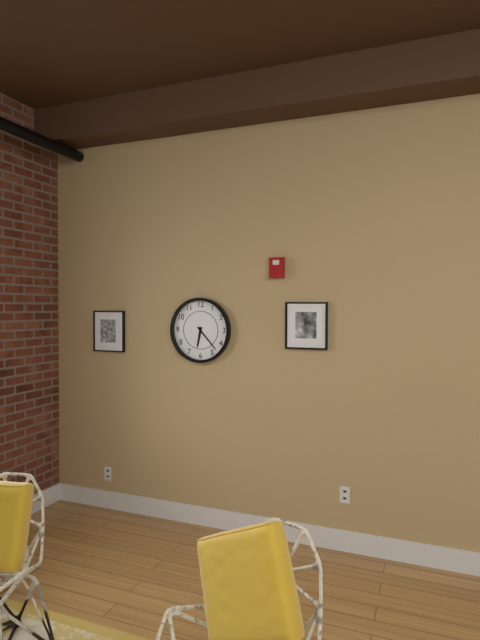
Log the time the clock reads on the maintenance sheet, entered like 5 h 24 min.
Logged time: 6 h 23 min
